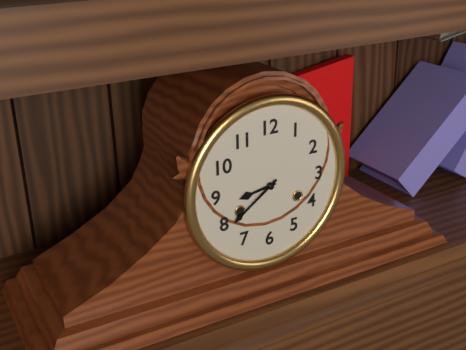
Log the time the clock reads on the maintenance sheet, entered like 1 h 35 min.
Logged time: 8 h 39 min
